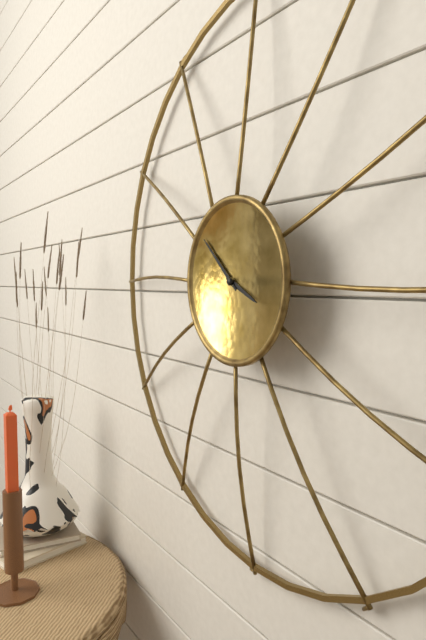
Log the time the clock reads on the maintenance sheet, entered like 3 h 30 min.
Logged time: 3 h 52 min
